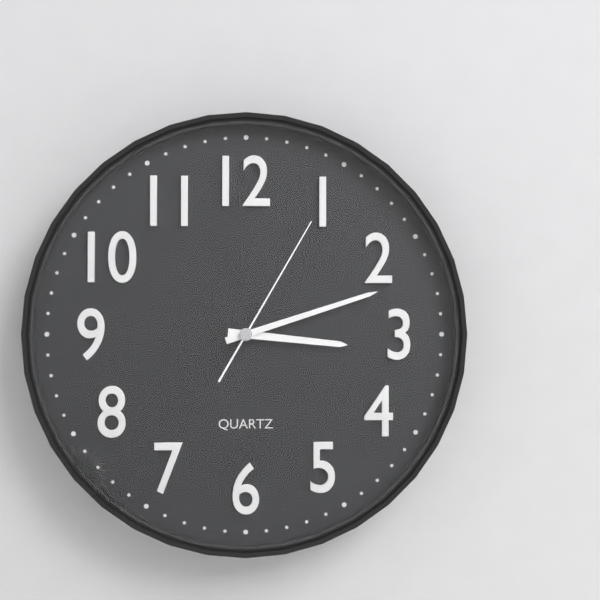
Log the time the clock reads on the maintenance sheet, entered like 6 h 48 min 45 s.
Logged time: 3 h 12 min 05 s
